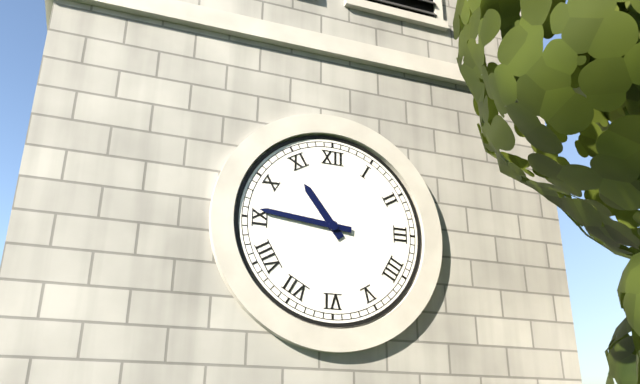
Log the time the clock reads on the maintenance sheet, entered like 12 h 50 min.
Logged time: 10 h 46 min
